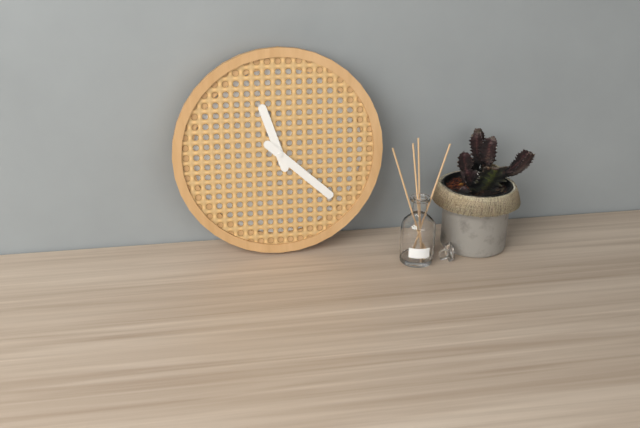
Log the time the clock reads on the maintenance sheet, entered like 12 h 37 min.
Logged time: 11 h 22 min
